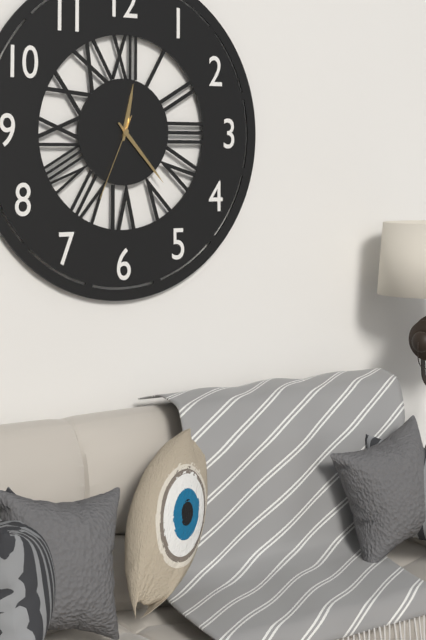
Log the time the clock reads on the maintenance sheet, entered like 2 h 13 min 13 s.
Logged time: 12 h 23 min 34 s
